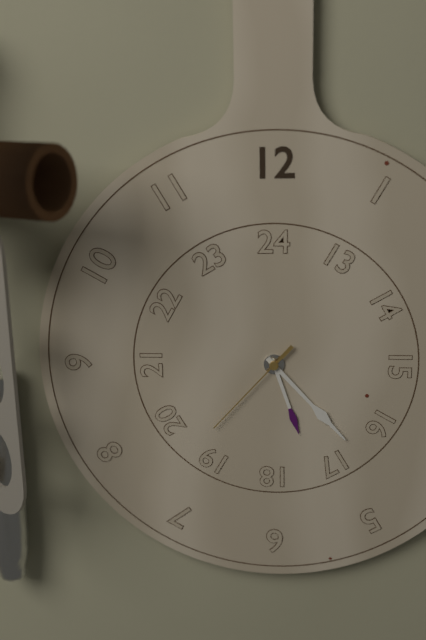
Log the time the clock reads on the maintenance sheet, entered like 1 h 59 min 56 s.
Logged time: 5 h 23 min 37 s
